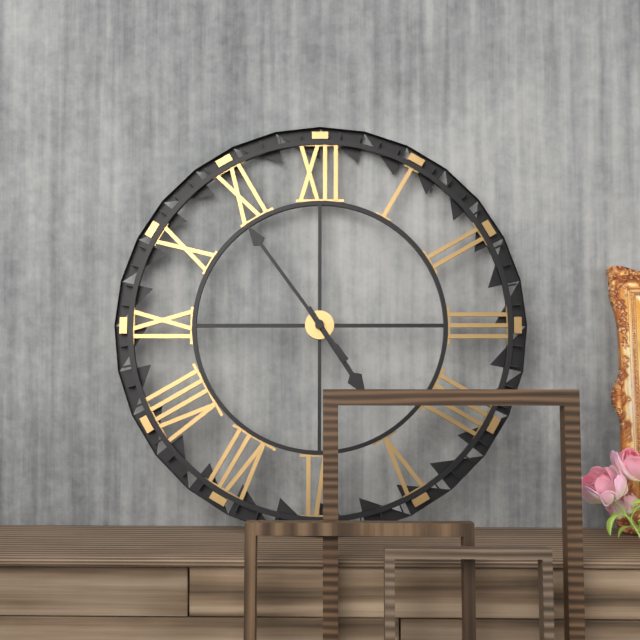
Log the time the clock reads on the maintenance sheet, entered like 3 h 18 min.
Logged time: 4 h 54 min
